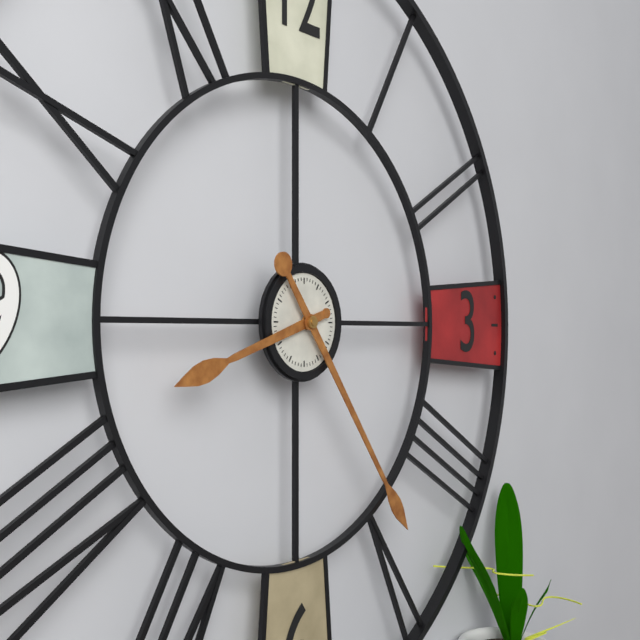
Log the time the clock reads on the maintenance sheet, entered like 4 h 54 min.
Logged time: 8 h 24 min
